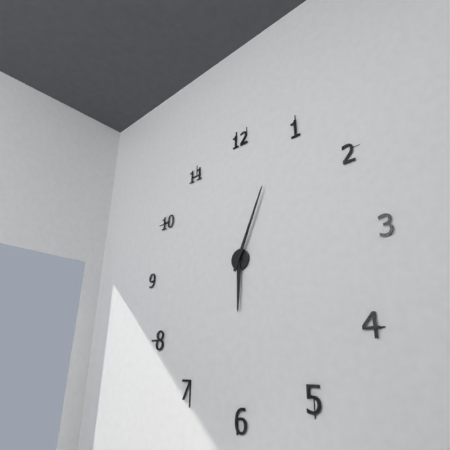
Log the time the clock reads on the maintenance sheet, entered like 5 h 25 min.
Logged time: 6 h 04 min
